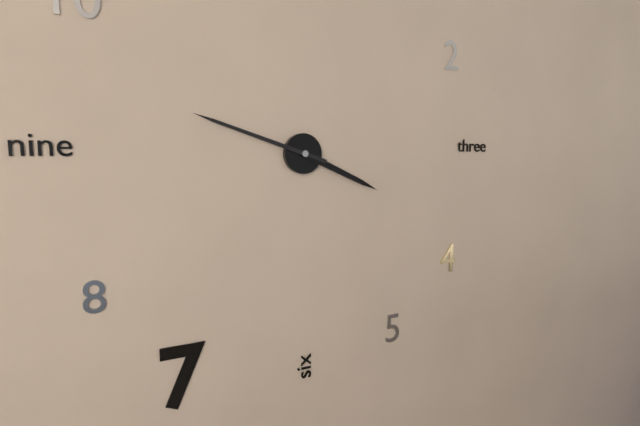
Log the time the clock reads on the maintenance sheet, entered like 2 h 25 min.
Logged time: 3 h 48 min
